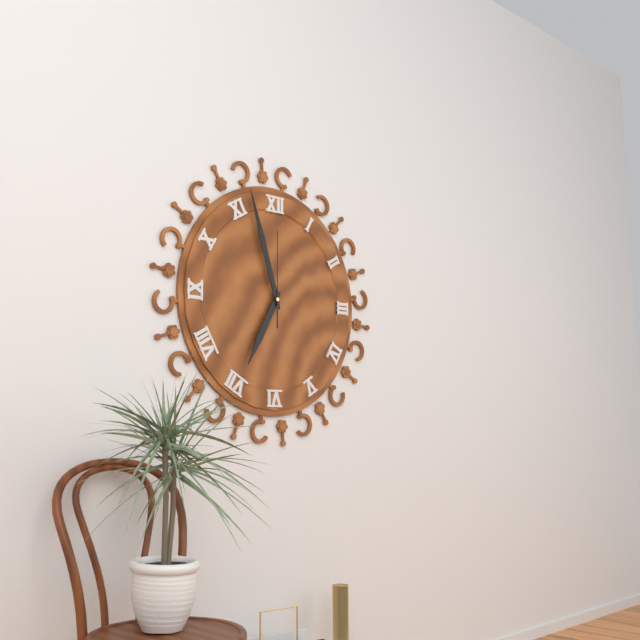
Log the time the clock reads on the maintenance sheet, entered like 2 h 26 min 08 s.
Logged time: 6 h 57 min 00 s
